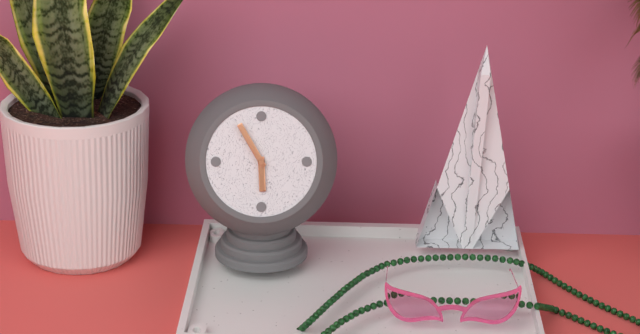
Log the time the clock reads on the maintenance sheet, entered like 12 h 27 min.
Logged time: 5 h 55 min
